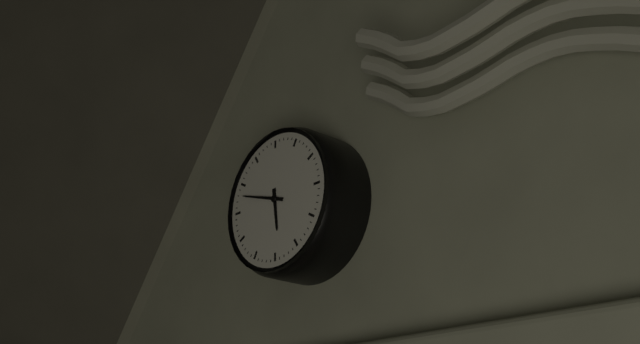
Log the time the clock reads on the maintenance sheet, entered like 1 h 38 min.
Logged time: 5 h 48 min
